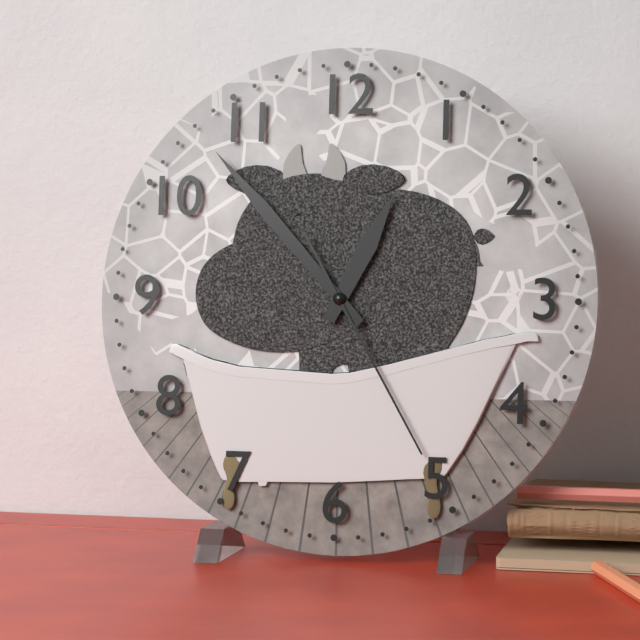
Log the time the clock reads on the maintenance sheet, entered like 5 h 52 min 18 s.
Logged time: 12 h 53 min 25 s
